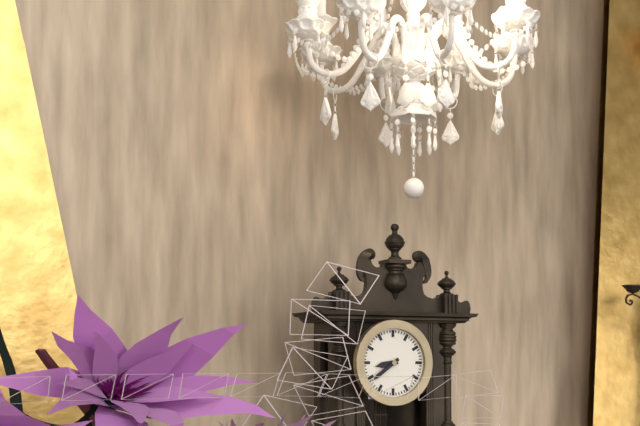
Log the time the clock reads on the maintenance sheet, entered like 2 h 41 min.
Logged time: 8 h 39 min
